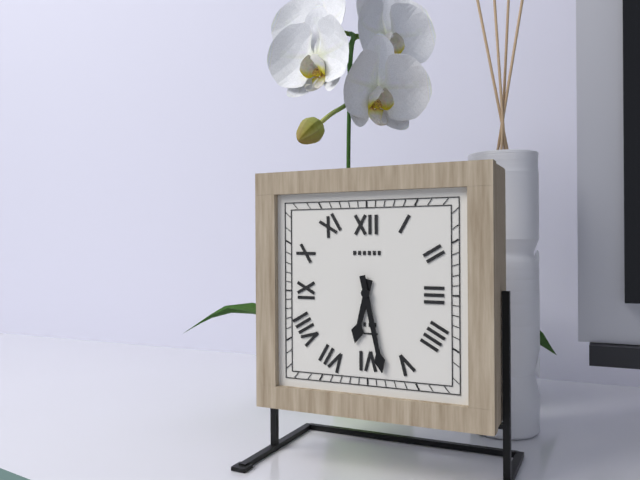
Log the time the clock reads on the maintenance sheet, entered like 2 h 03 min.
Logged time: 6 h 28 min
